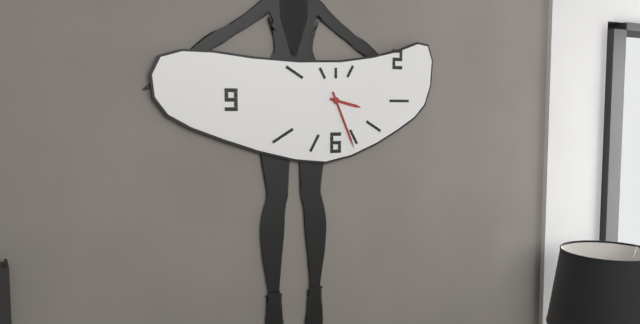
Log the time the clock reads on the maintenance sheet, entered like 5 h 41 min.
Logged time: 3 h 26 min
